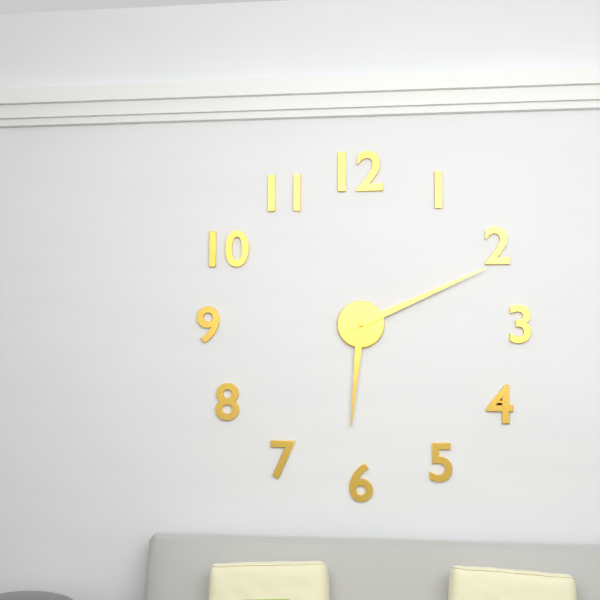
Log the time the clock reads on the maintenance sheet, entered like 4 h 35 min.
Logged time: 6 h 11 min
